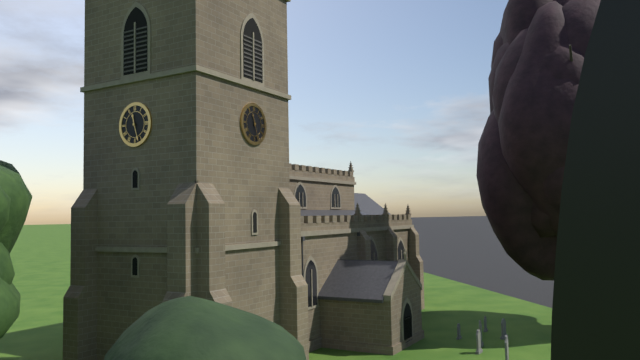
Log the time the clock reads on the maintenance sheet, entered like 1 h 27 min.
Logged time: 11 h 27 min
